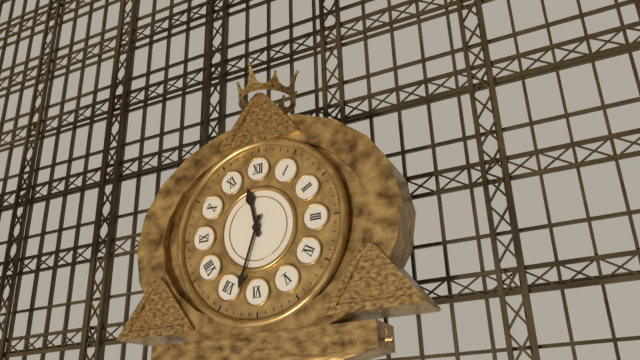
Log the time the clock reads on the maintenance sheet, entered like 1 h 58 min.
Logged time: 11 h 33 min
